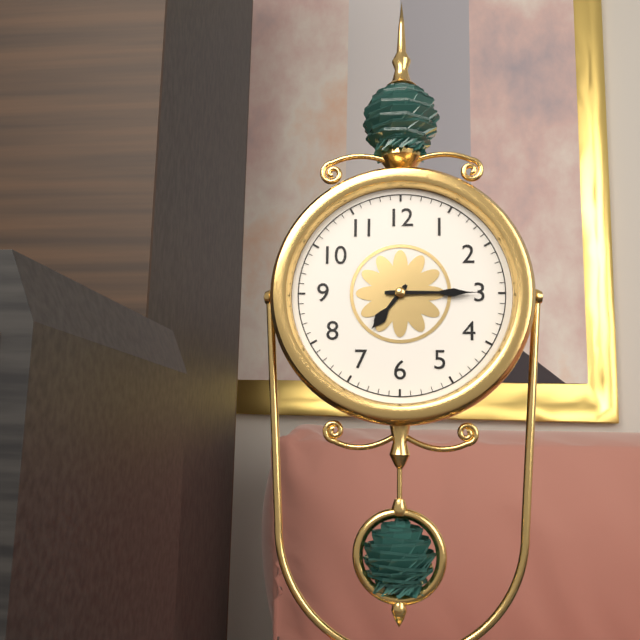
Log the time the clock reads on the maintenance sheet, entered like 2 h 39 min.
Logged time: 7 h 15 min
